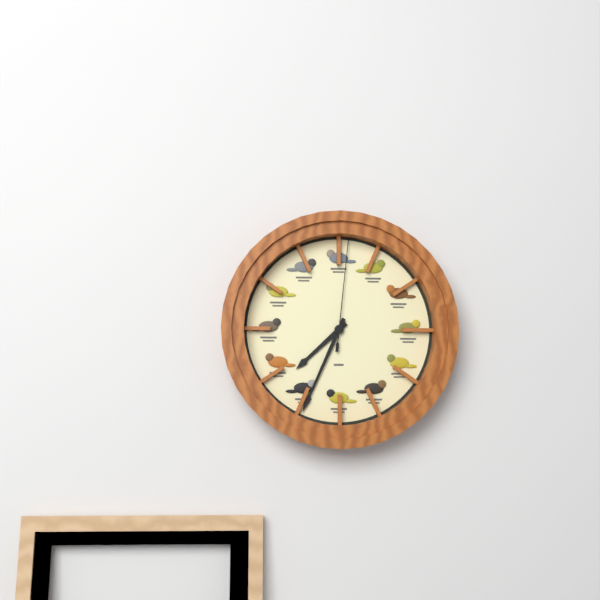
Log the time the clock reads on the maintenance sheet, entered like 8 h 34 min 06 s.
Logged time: 7 h 34 min 01 s
